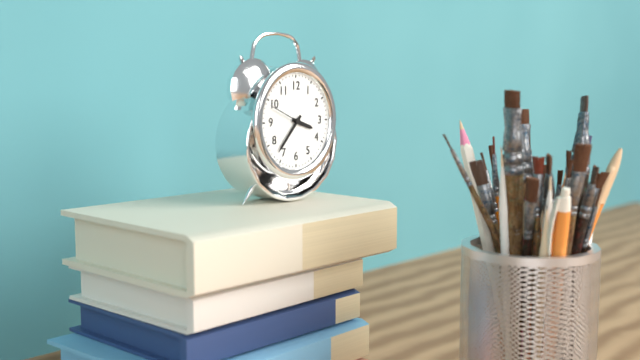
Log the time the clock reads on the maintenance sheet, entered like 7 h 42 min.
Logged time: 3 h 37 min
